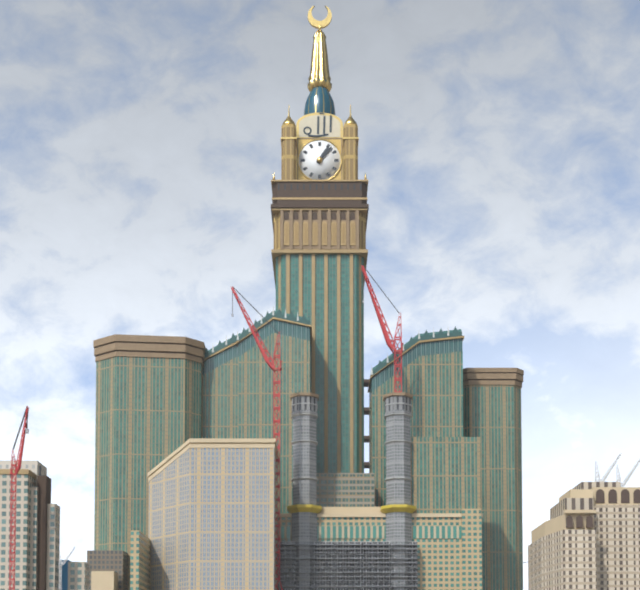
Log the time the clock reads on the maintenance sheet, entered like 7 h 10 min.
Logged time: 1 h 07 min
